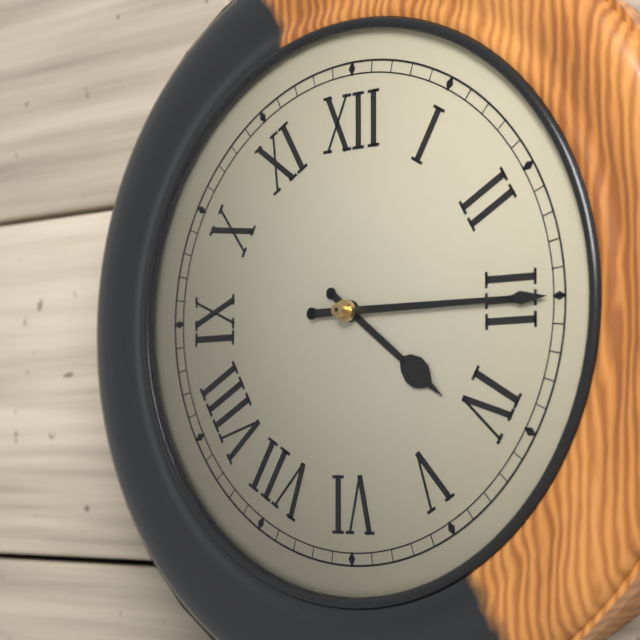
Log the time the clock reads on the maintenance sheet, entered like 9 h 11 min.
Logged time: 4 h 15 min
